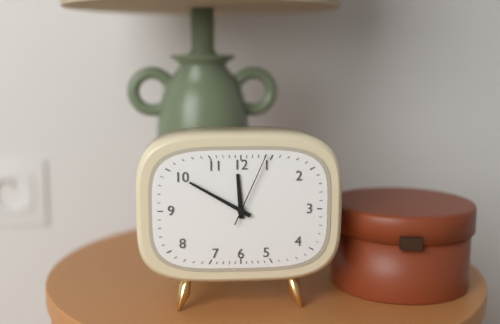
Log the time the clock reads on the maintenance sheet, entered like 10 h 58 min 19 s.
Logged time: 11 h 50 min 04 s
